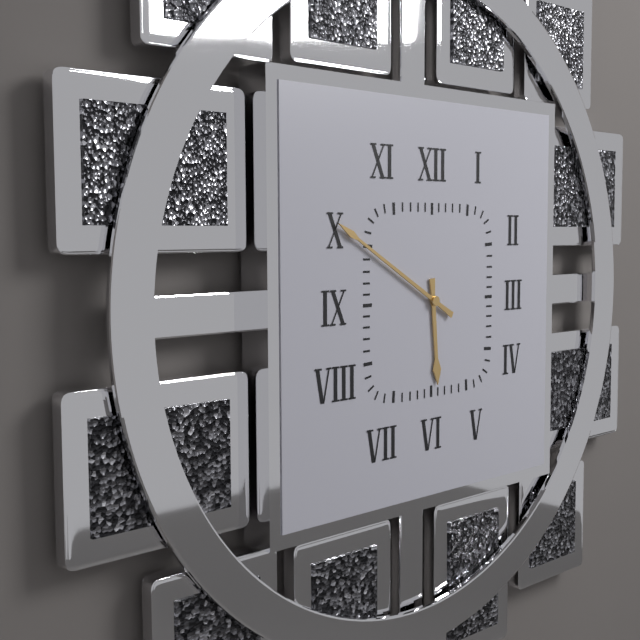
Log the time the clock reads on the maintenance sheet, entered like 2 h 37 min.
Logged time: 5 h 50 min
